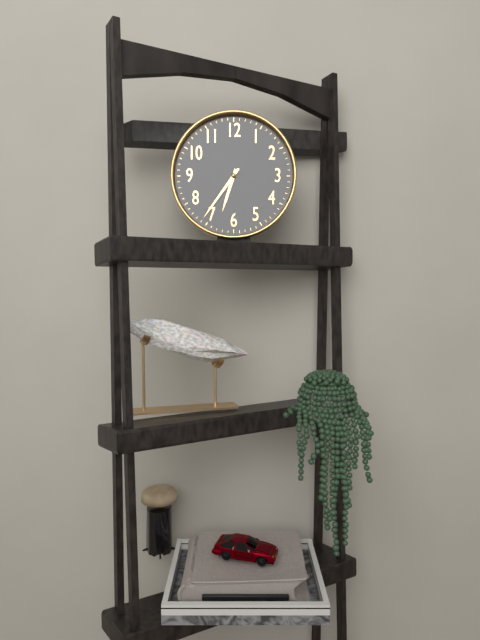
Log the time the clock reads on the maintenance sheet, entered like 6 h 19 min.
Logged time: 6 h 36 min
